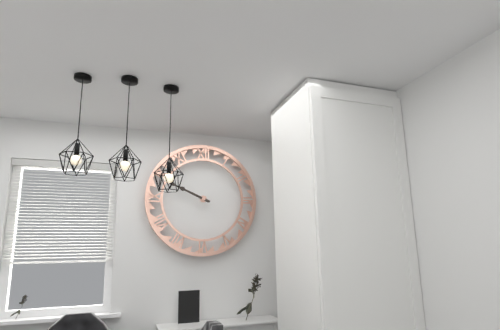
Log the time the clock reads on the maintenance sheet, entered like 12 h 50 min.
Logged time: 9 h 49 min
